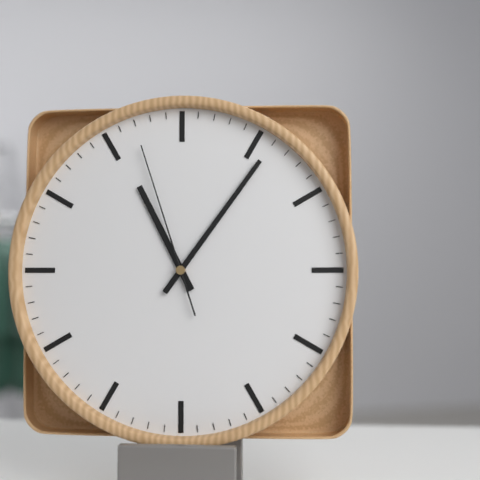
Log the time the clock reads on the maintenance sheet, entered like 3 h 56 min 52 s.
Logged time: 11 h 06 min 57 s
